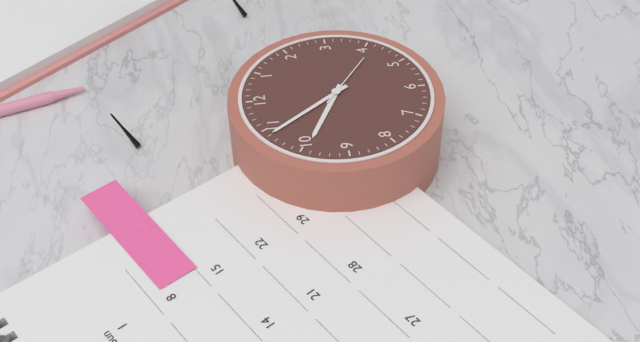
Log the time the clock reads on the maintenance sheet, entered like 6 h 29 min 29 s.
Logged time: 9 h 54 min 21 s
